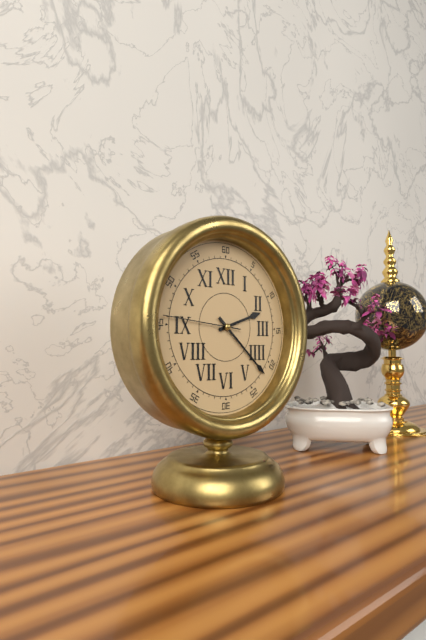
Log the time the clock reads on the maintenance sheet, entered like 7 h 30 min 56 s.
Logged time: 2 h 22 min 46 s
